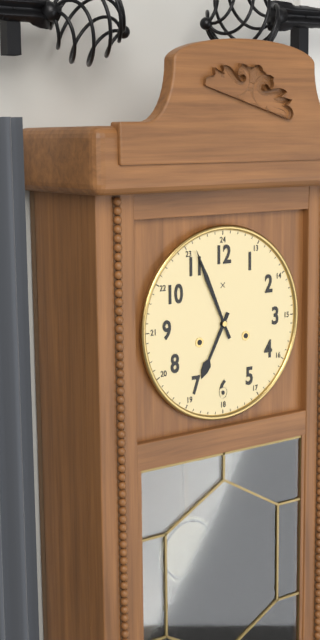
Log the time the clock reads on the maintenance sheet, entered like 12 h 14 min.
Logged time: 6 h 56 min
